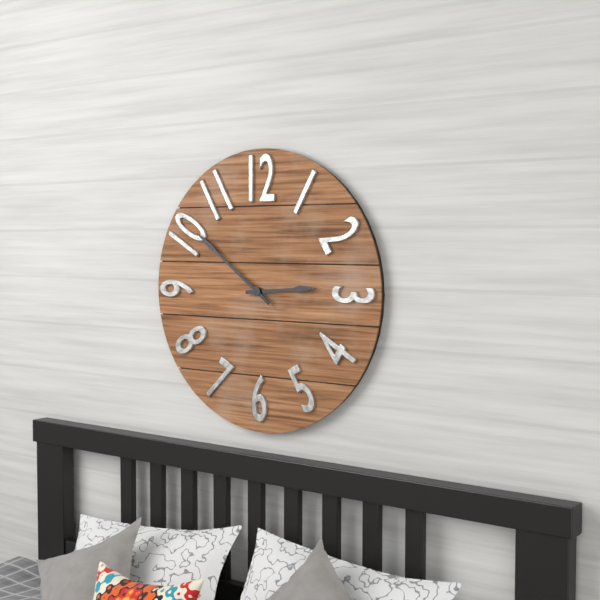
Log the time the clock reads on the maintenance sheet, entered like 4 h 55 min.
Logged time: 2 h 51 min
